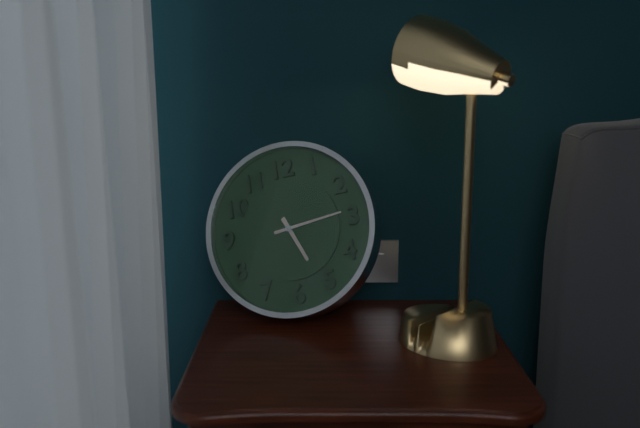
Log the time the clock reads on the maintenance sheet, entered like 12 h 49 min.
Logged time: 5 h 14 min
